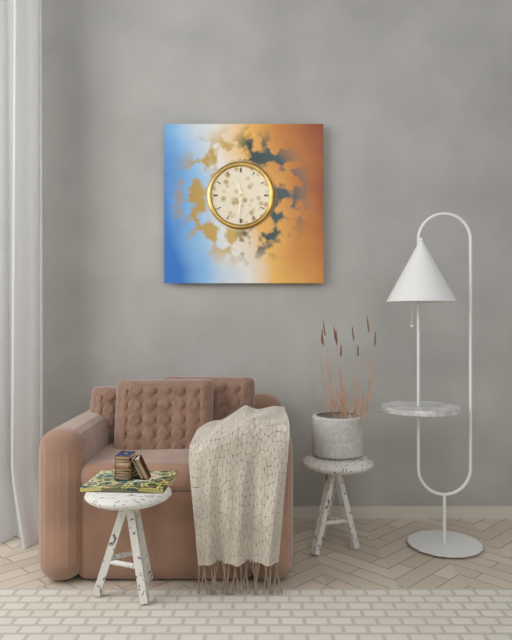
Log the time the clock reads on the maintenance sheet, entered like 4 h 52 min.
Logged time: 11 h 31 min
